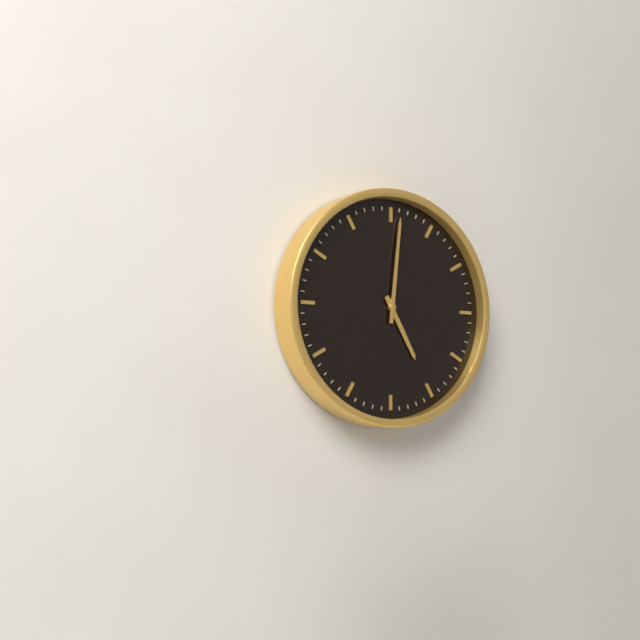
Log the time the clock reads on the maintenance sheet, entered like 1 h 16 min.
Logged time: 5 h 01 min
